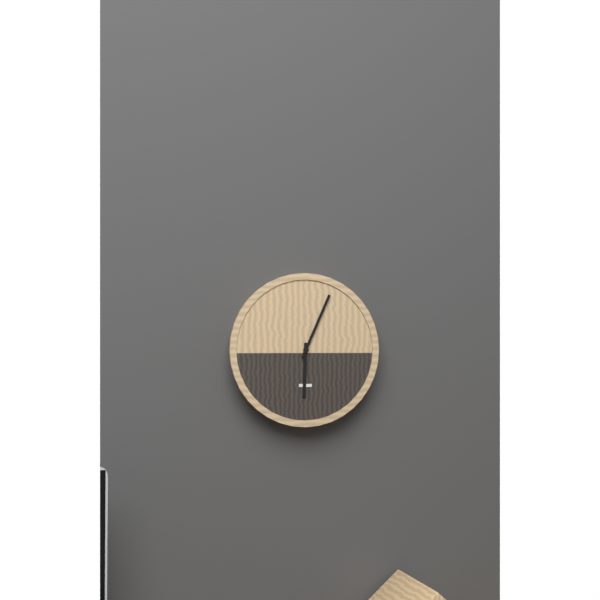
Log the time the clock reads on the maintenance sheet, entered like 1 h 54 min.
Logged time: 6 h 04 min
